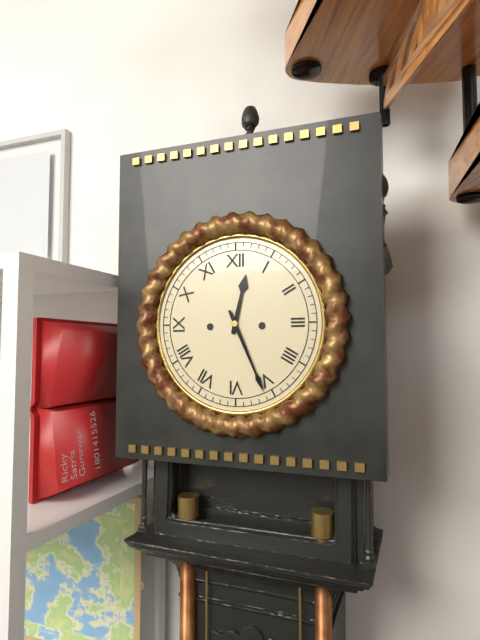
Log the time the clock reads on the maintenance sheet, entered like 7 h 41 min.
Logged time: 12 h 26 min
